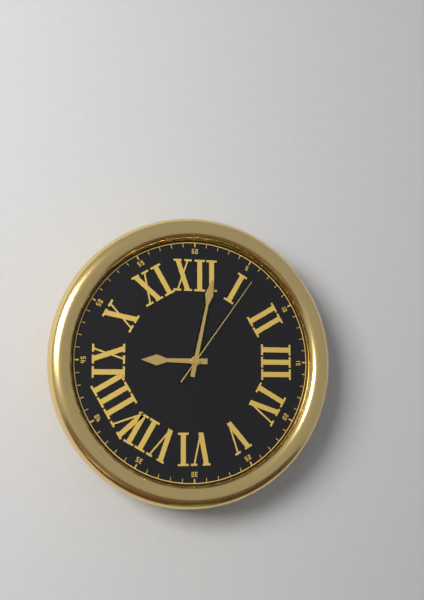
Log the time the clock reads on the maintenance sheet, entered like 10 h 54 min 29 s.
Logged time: 9 h 02 min 06 s
